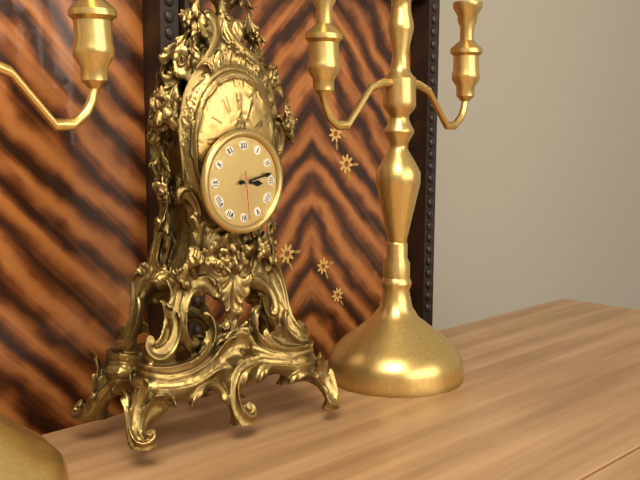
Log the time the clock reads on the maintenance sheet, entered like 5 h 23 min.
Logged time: 3 h 13 min
